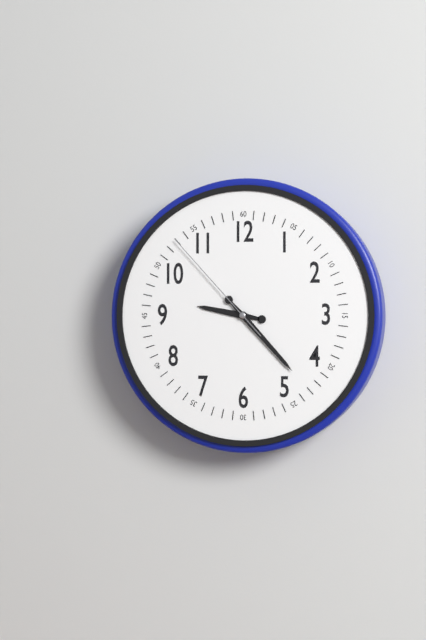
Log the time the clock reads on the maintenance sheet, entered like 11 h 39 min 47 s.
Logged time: 9 h 23 min 53 s
